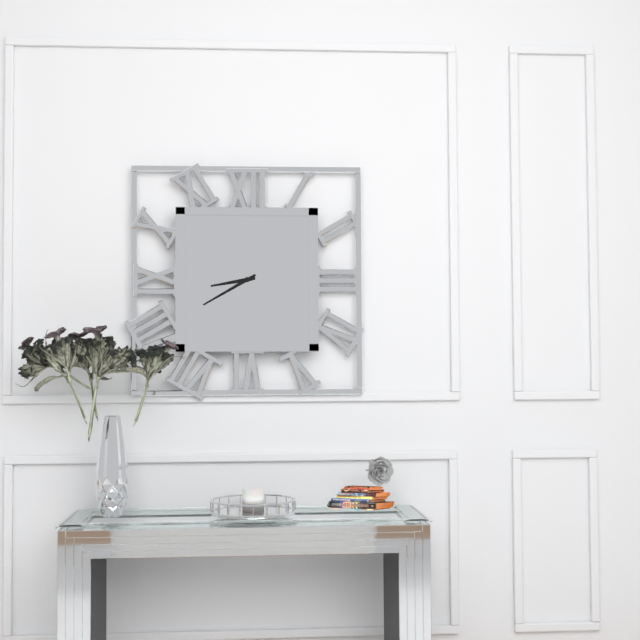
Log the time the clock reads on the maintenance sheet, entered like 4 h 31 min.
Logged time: 8 h 40 min
